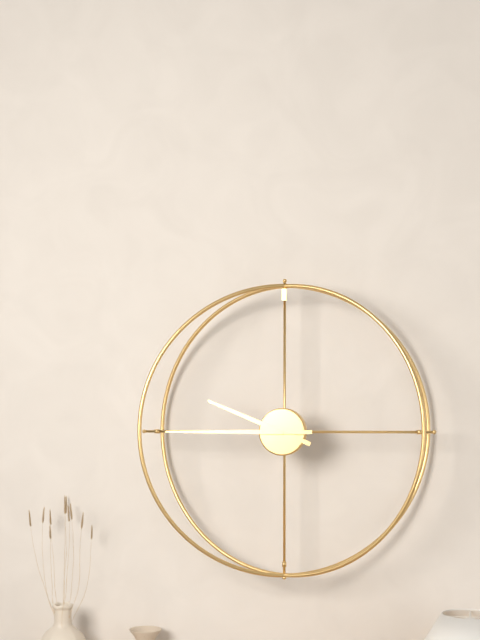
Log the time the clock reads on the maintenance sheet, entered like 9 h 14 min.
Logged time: 9 h 45 min
